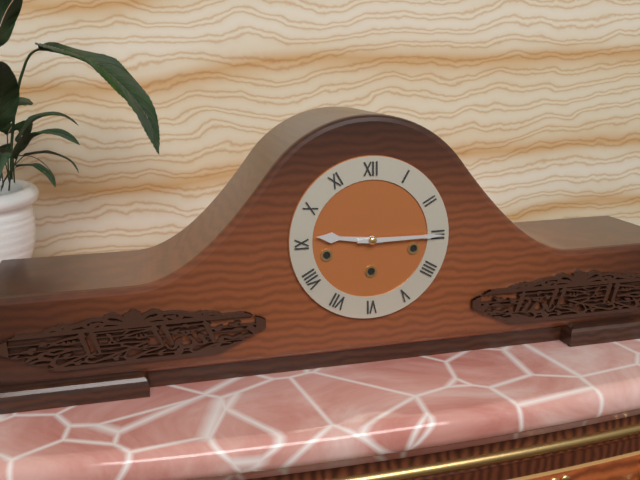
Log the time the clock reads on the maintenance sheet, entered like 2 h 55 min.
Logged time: 9 h 15 min
